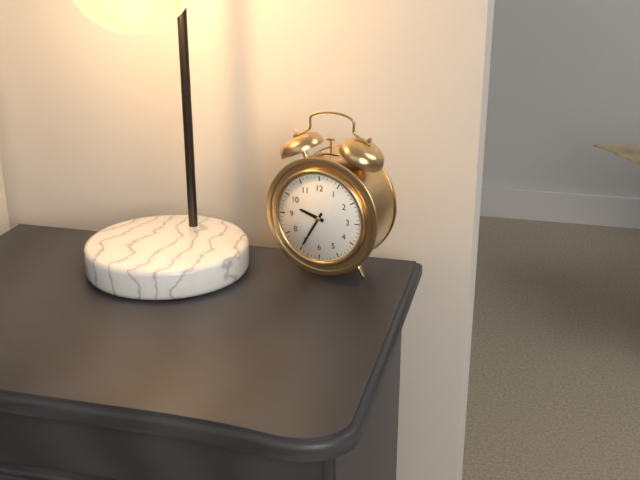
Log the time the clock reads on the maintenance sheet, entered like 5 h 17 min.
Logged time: 9 h 35 min
